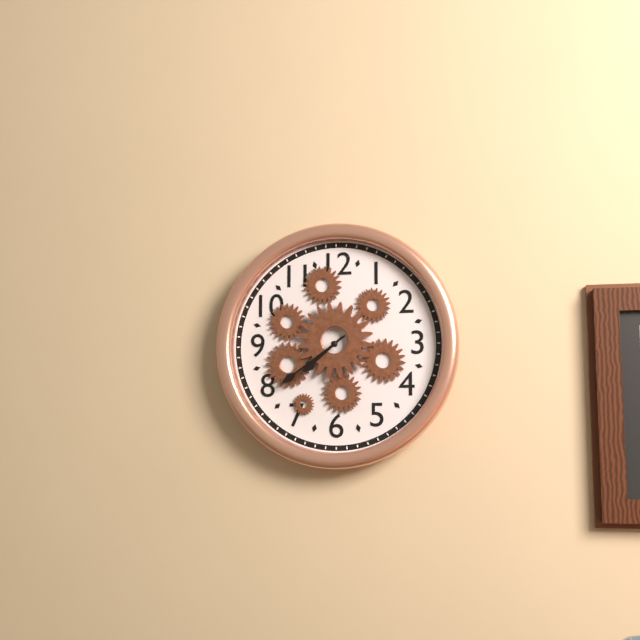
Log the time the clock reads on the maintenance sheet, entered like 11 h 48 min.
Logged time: 7 h 39 min
